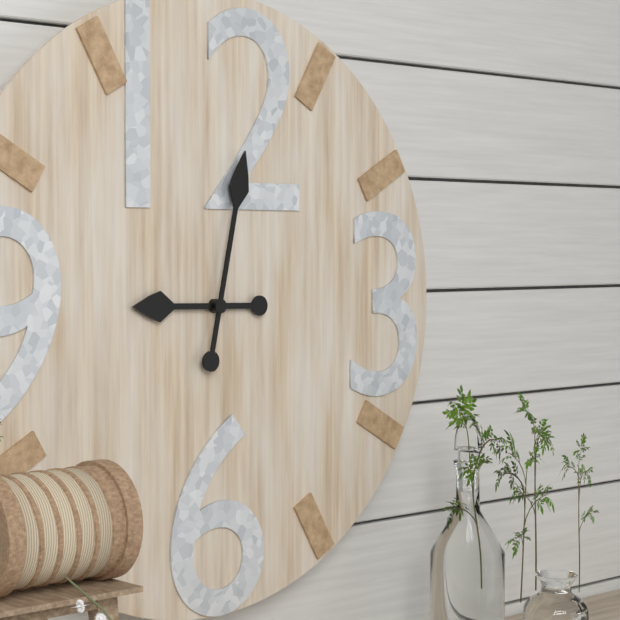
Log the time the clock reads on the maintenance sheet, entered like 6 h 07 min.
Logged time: 9 h 02 min
